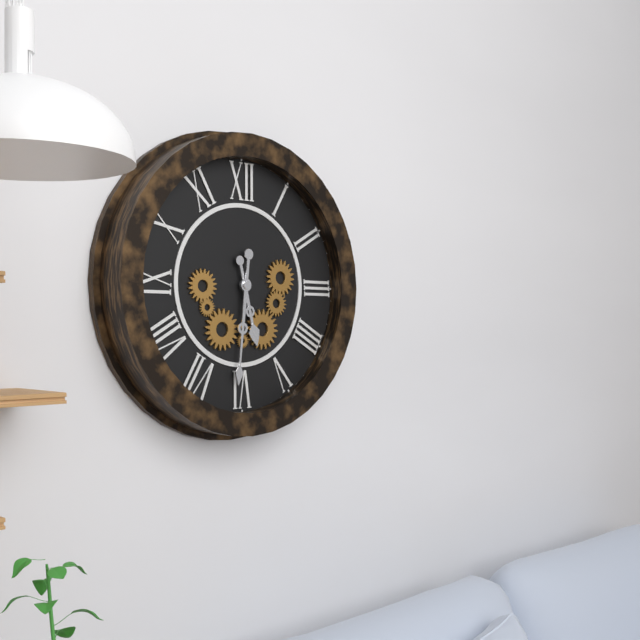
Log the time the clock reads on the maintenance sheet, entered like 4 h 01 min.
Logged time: 5 h 31 min
